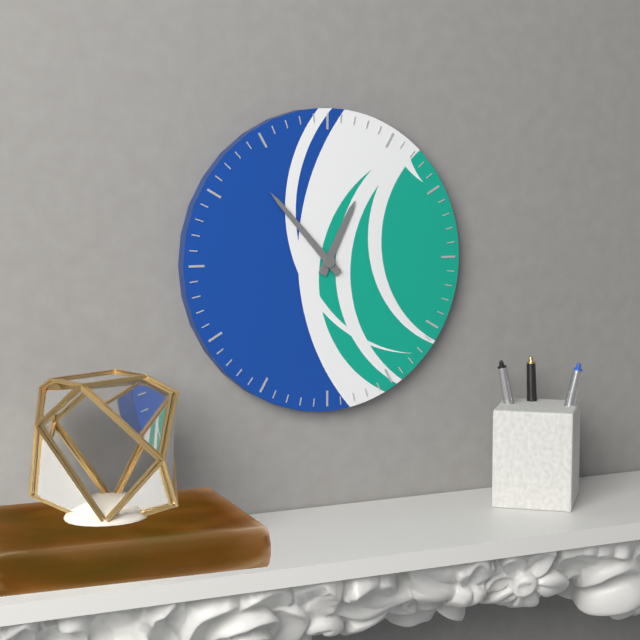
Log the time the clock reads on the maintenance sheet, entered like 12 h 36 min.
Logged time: 12 h 53 min
